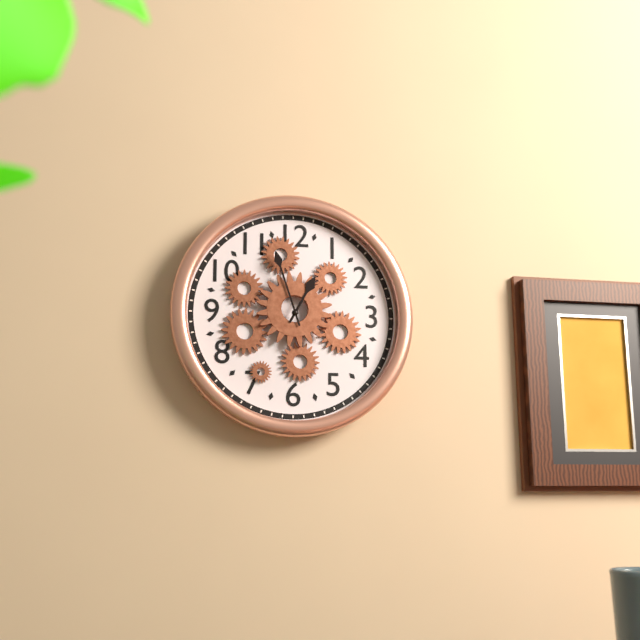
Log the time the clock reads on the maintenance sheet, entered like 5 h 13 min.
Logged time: 12 h 57 min
